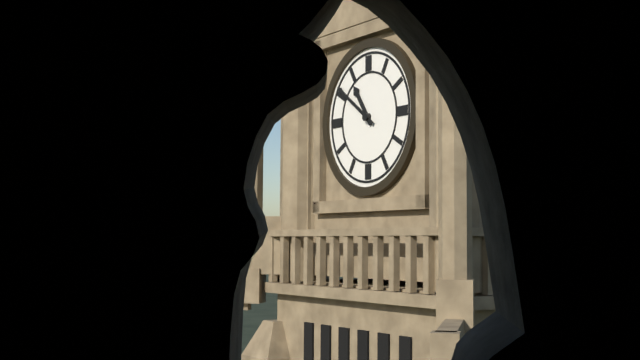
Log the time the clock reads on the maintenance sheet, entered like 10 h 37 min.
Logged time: 10 h 51 min
